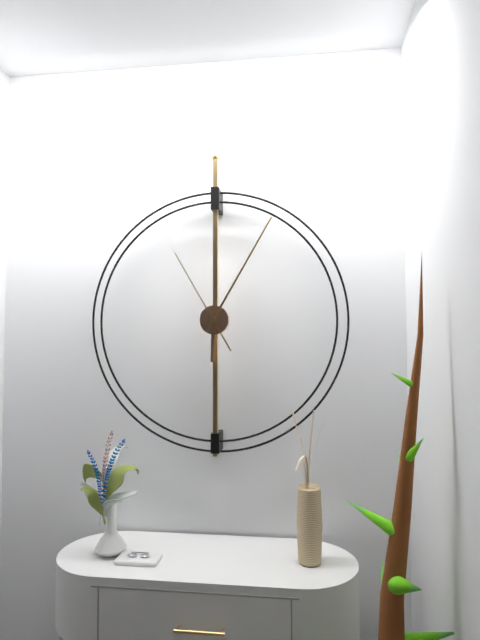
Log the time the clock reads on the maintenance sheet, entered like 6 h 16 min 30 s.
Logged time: 6 h 05 min 55 s
